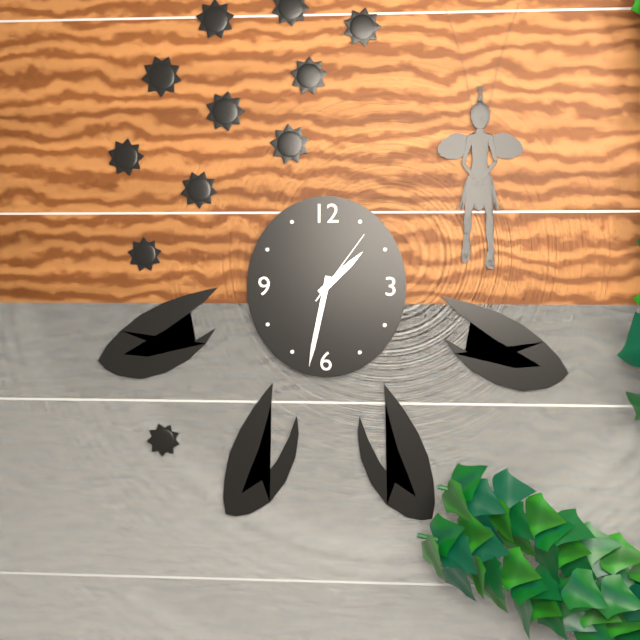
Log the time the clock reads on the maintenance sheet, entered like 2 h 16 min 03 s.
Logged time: 1 h 32 min 06 s
